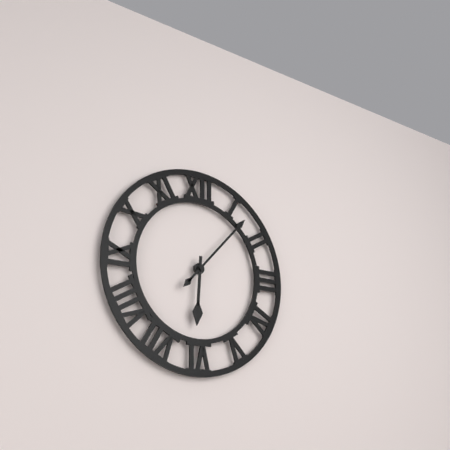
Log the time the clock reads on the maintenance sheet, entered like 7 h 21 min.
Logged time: 6 h 07 min
